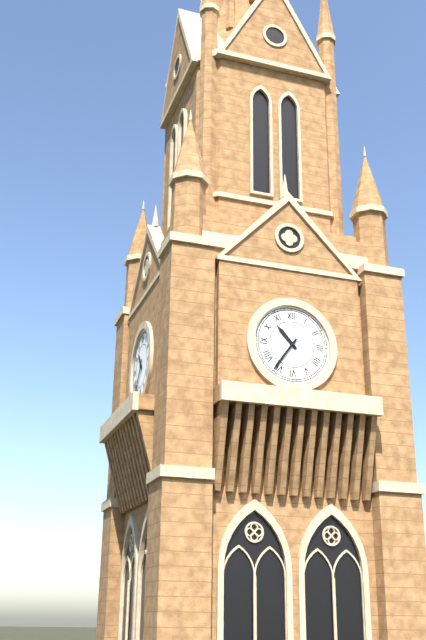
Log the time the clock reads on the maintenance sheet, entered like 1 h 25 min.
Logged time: 10 h 36 min
